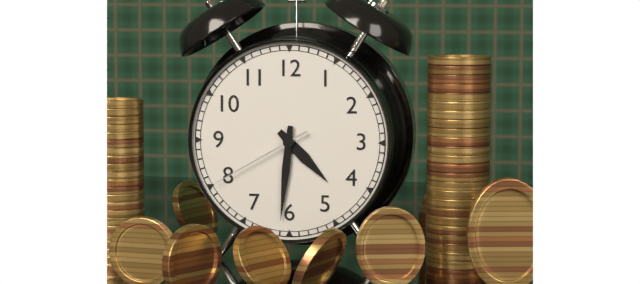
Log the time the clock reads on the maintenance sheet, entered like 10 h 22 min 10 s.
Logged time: 4 h 31 min 40 s
